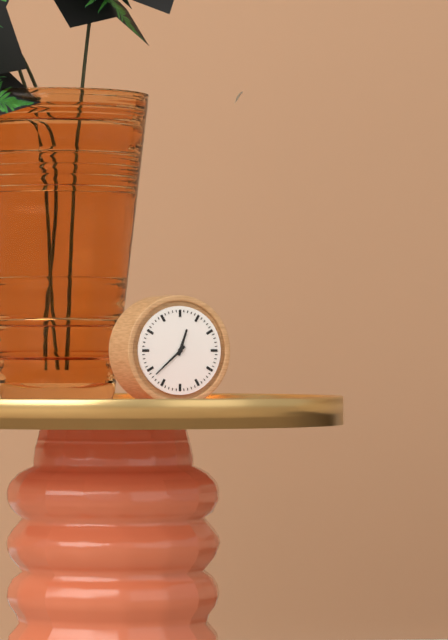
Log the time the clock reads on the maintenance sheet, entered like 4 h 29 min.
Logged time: 12 h 38 min
